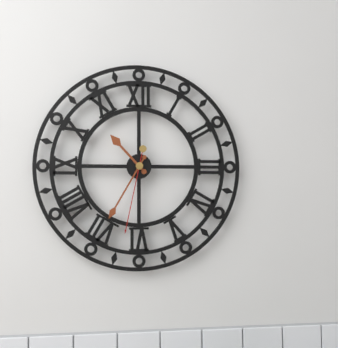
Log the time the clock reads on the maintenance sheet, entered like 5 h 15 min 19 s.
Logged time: 10 h 35 min 32 s
